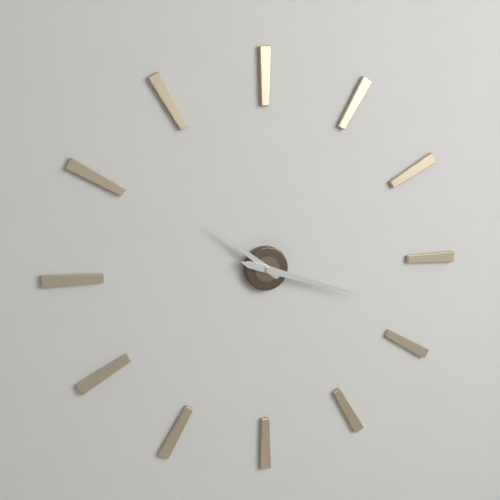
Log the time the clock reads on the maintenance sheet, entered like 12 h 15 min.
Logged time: 10 h 18 min
